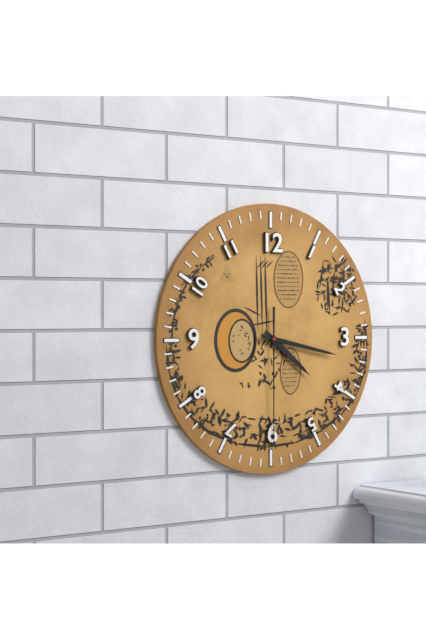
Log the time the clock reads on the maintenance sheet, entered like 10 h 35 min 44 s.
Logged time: 4 h 17 min 30 s
